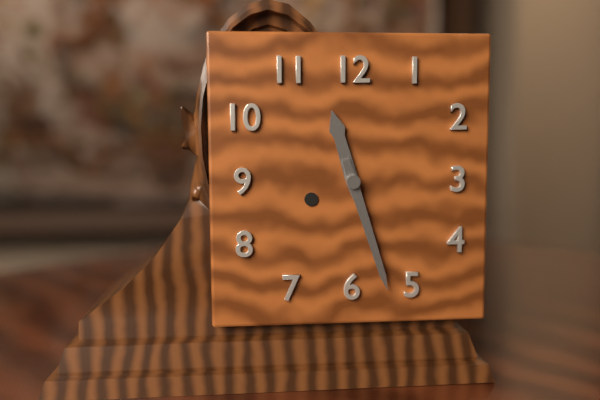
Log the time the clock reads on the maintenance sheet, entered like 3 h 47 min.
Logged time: 11 h 27 min
